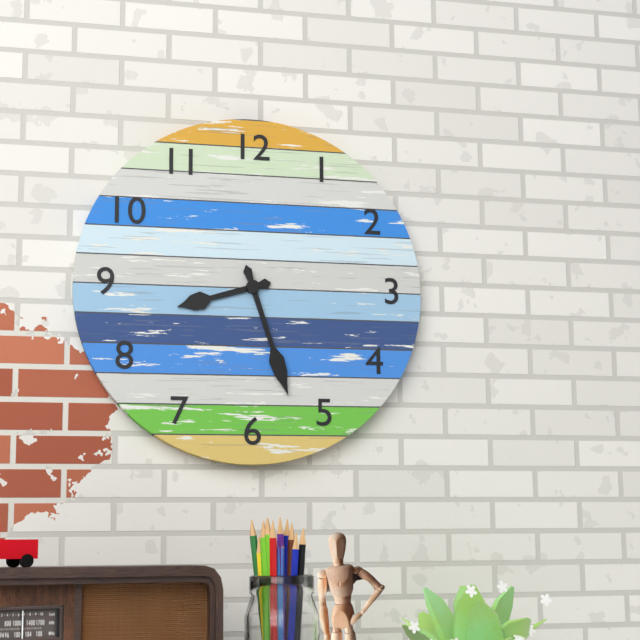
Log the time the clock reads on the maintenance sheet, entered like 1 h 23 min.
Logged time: 8 h 27 min
